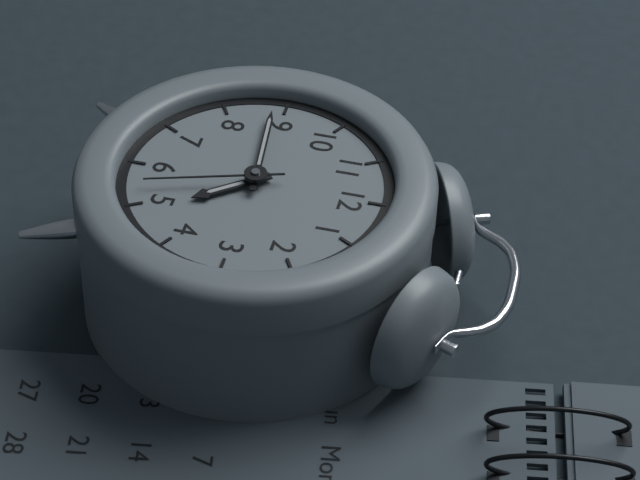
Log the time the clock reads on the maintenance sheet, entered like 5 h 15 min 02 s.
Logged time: 4 h 44 min 27 s
